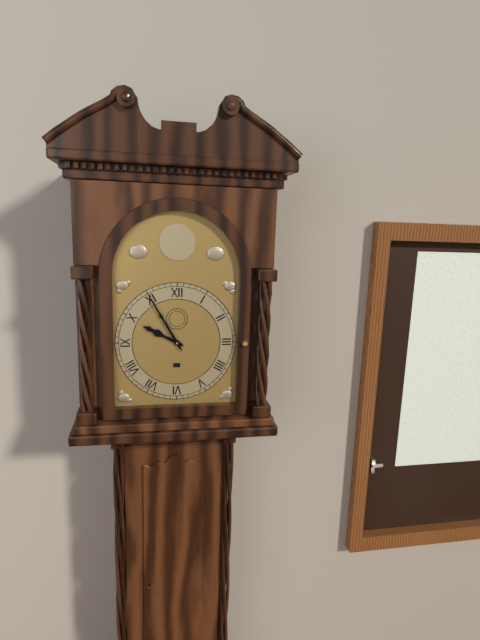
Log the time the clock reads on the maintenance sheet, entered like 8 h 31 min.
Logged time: 9 h 55 min
